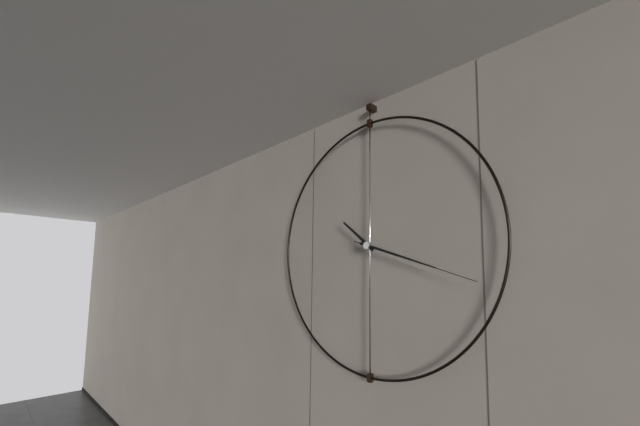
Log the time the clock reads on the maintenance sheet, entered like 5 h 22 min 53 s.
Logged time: 10 h 18 min 18 s
